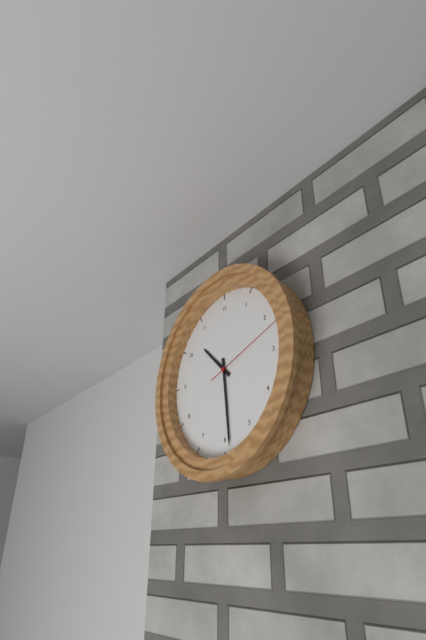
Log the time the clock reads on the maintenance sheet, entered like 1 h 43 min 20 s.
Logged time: 10 h 29 min 12 s
